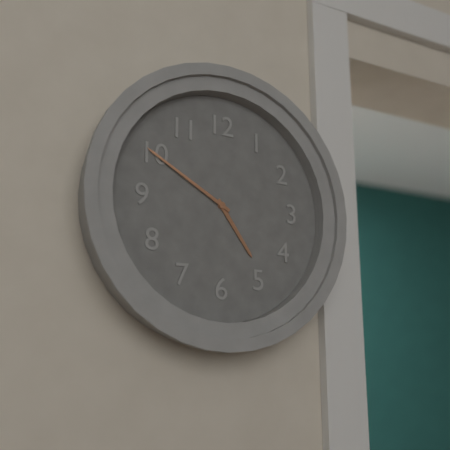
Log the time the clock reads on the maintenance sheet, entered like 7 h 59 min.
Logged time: 4 h 50 min
